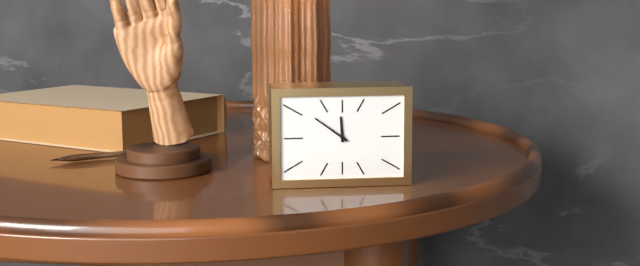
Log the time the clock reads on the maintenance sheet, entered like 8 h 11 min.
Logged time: 11 h 51 min
